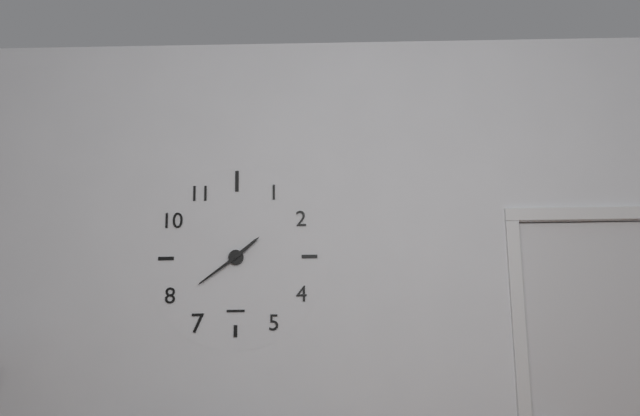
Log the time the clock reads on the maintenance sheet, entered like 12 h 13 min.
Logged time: 1 h 39 min
